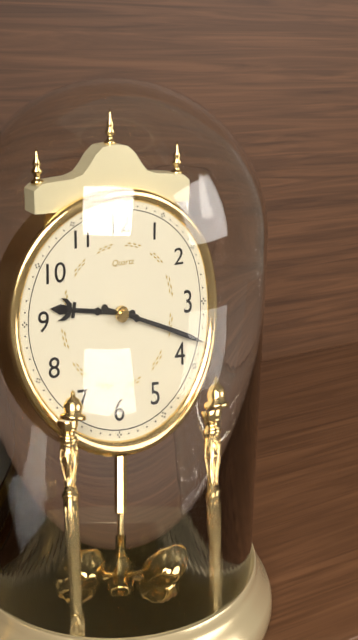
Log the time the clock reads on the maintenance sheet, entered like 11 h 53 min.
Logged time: 9 h 18 min
